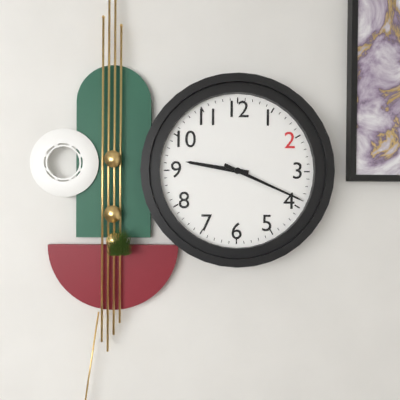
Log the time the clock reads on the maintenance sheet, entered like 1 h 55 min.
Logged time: 9 h 19 min
